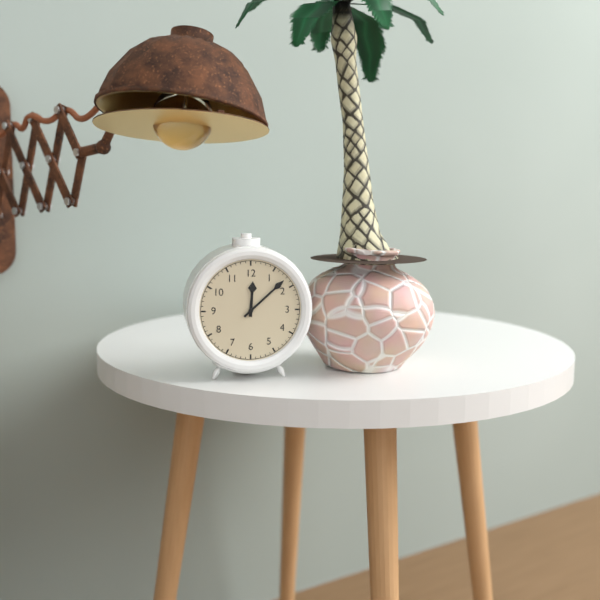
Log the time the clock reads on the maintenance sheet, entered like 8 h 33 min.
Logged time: 12 h 08 min
